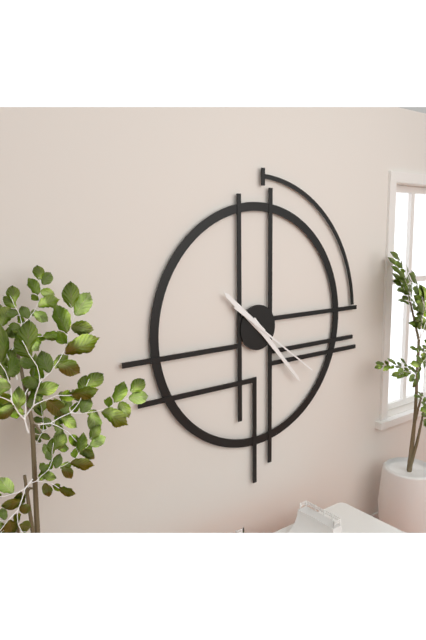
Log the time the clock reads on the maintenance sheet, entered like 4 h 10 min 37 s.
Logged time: 10 h 23 min 21 s
